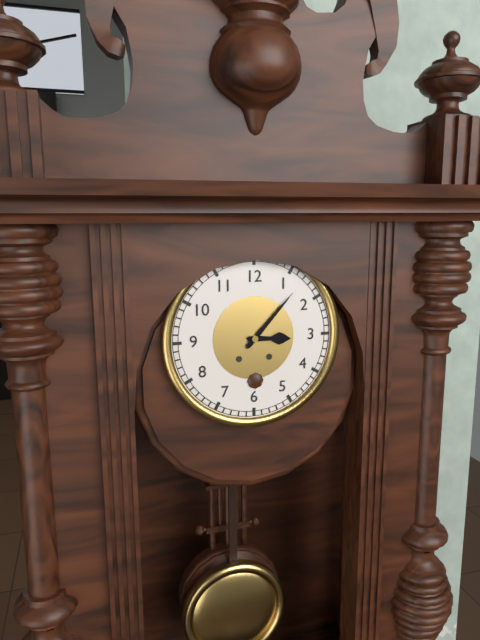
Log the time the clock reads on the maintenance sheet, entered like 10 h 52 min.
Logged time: 3 h 07 min
